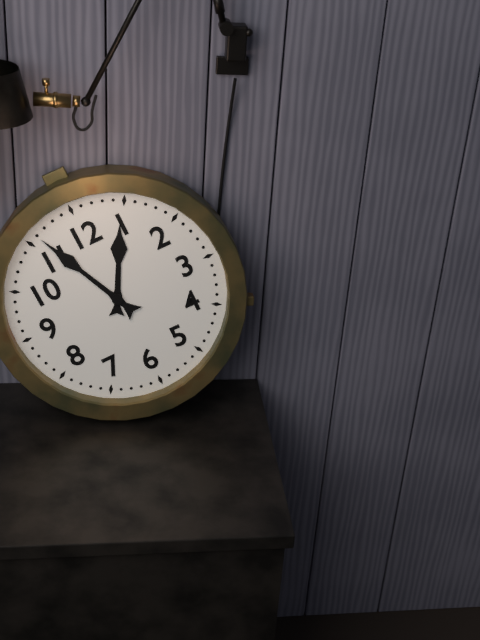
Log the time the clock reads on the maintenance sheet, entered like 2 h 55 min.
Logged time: 12 h 56 min
